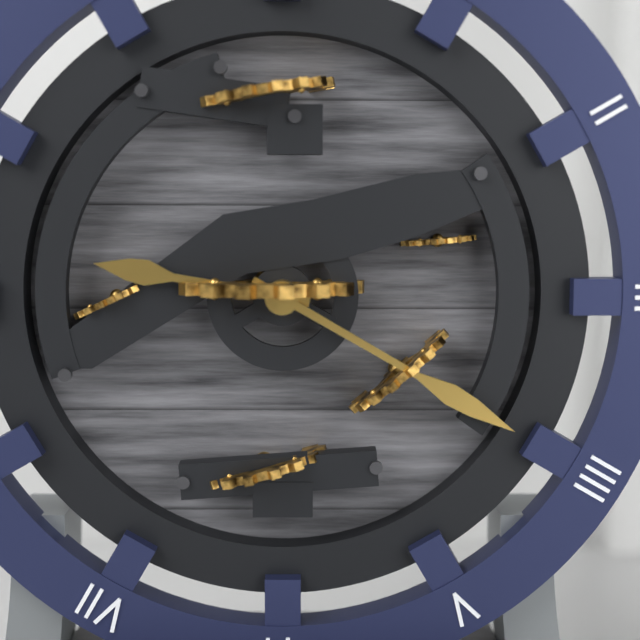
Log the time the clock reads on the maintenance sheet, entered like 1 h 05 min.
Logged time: 9 h 20 min
